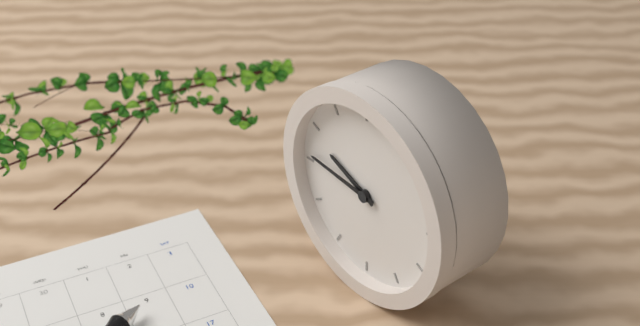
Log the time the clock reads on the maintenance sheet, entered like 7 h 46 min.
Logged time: 9 h 46 min
